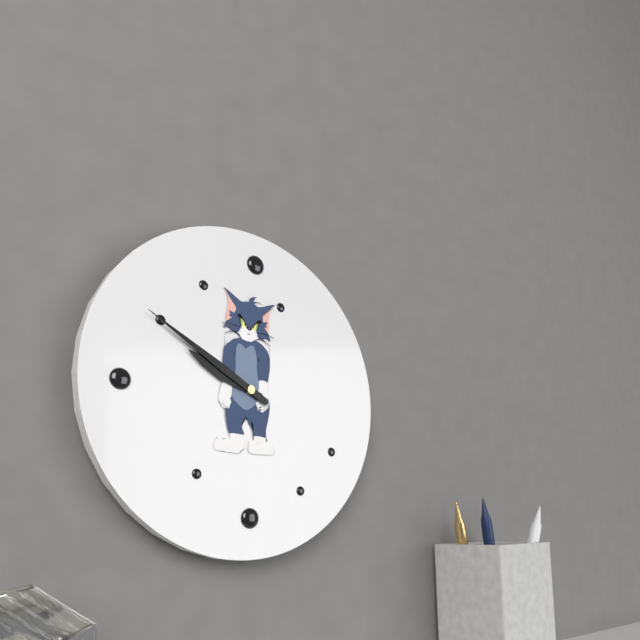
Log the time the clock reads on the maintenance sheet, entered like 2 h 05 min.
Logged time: 9 h 50 min
